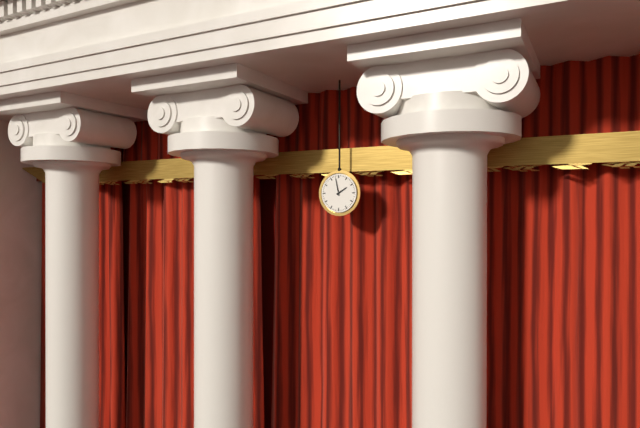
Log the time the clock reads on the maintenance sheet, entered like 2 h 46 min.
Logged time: 1 h 58 min
